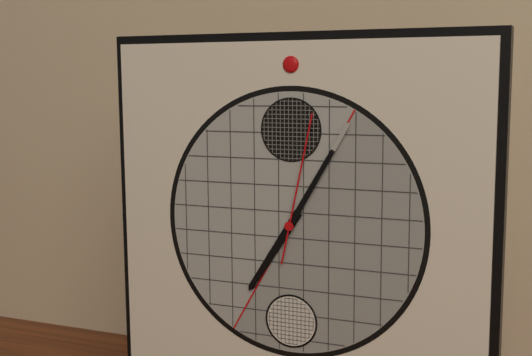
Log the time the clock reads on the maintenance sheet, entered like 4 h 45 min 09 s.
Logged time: 7 h 05 min 02 s
